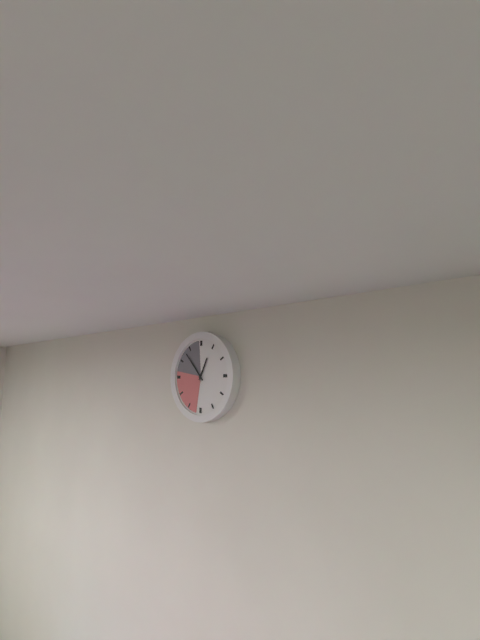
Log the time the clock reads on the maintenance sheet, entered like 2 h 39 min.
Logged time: 12 h 53 min
